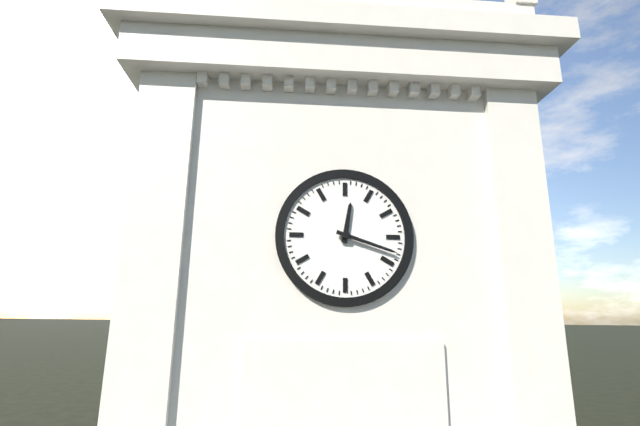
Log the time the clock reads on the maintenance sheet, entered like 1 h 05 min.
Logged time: 12 h 18 min
